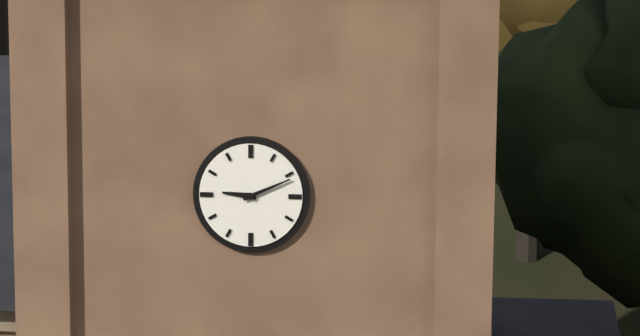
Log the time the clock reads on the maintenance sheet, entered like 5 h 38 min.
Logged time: 9 h 11 min
